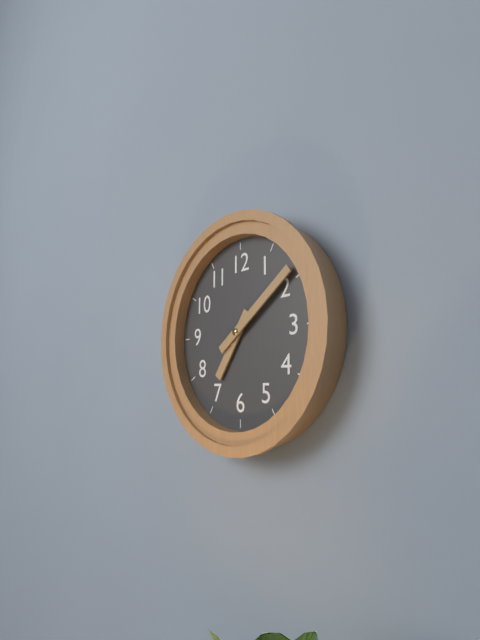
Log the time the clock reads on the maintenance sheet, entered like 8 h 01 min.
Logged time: 7 h 09 min
